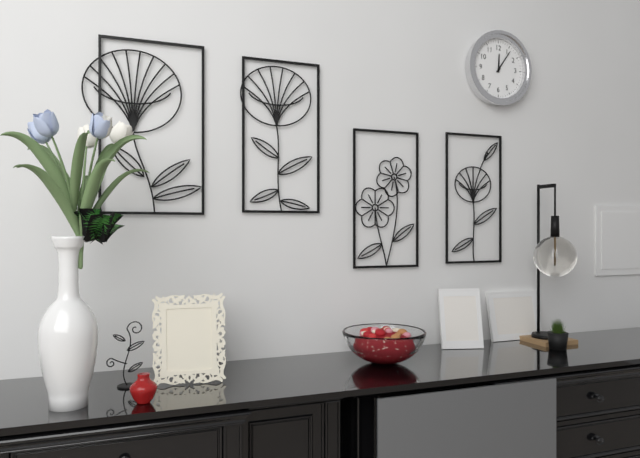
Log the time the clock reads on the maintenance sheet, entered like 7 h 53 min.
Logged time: 12 h 06 min
